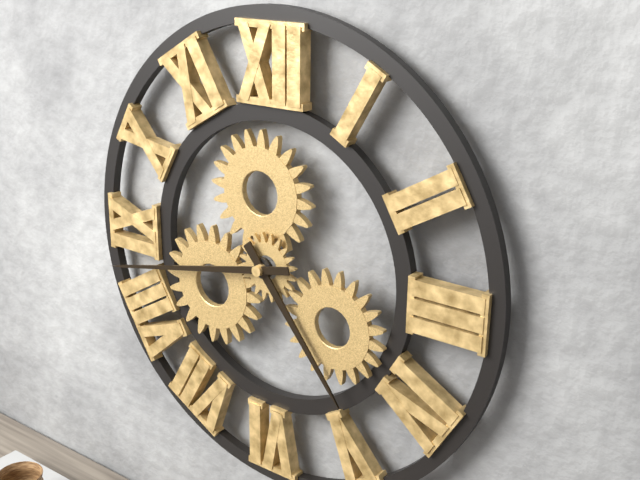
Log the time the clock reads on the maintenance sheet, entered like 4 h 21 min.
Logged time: 4 h 43 min
